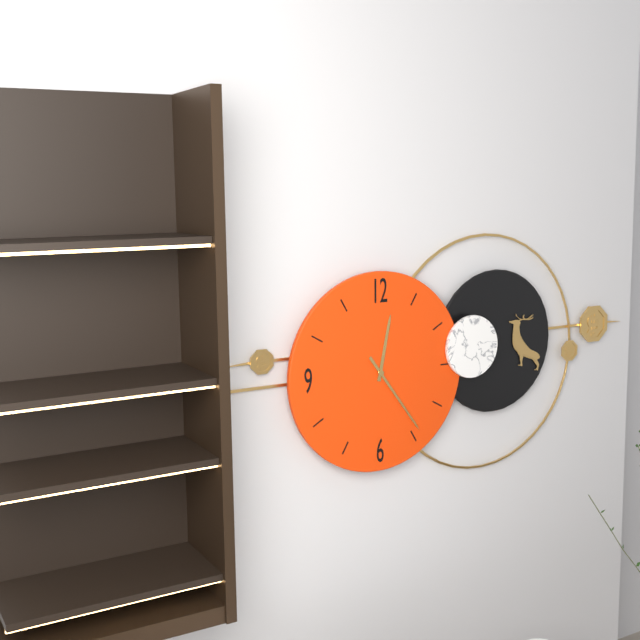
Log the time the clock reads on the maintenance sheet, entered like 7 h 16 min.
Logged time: 12 h 24 min
